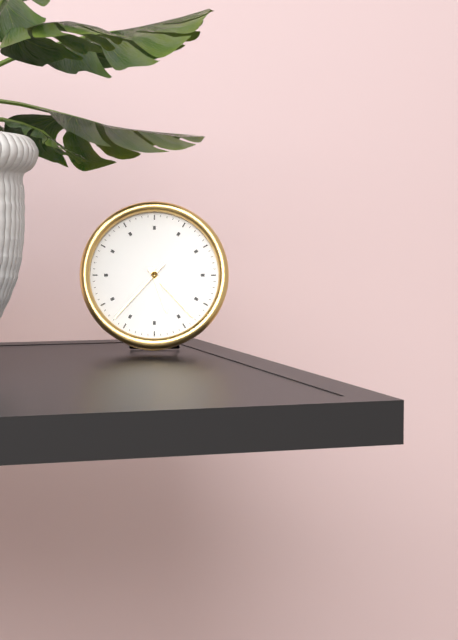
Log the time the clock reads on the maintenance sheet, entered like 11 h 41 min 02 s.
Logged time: 5 h 23 min 37 s
